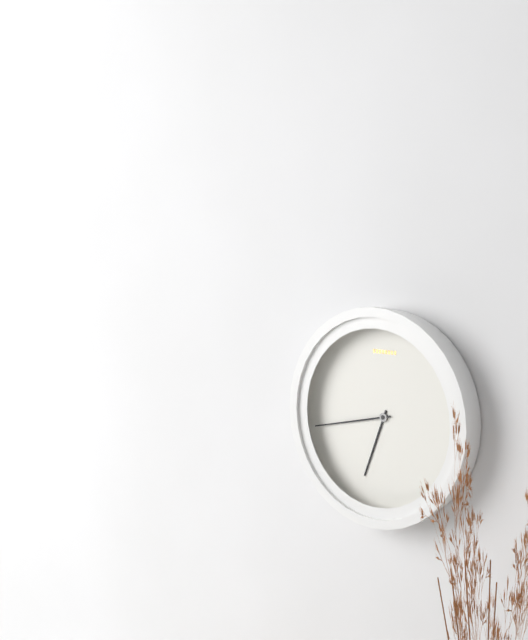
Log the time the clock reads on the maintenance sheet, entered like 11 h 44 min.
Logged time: 6 h 43 min
